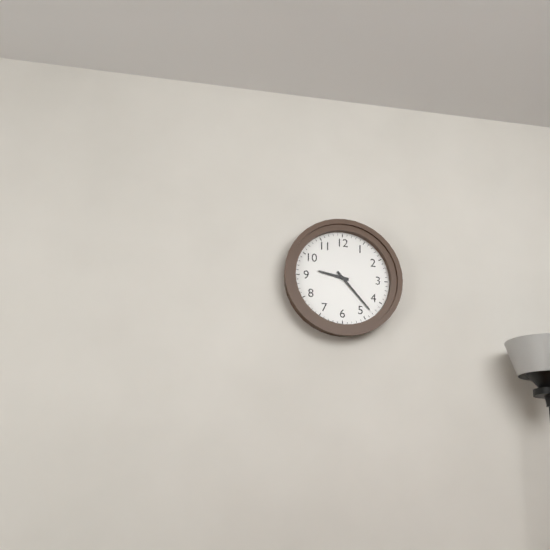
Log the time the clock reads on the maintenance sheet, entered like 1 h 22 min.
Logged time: 9 h 23 min
